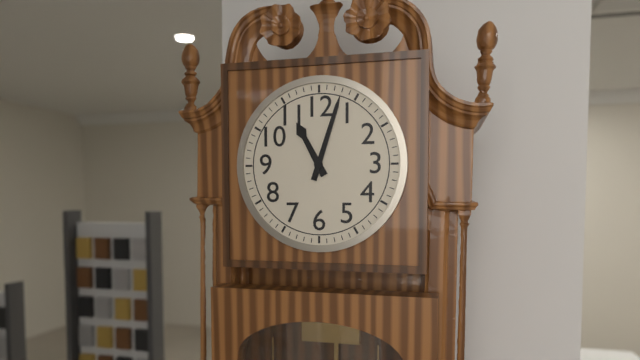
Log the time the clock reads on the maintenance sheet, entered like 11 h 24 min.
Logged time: 11 h 03 min
